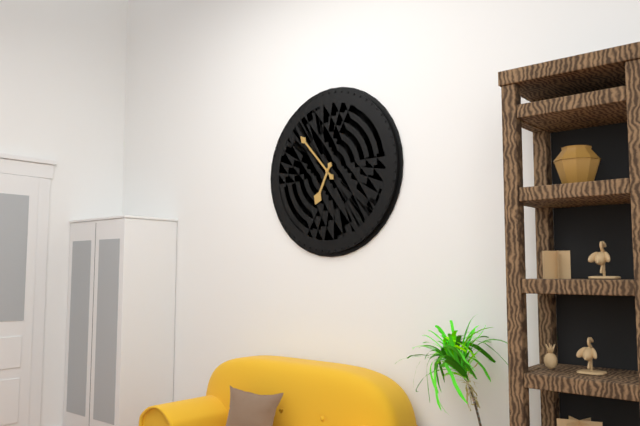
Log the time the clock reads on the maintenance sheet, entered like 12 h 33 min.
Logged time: 6 h 53 min
